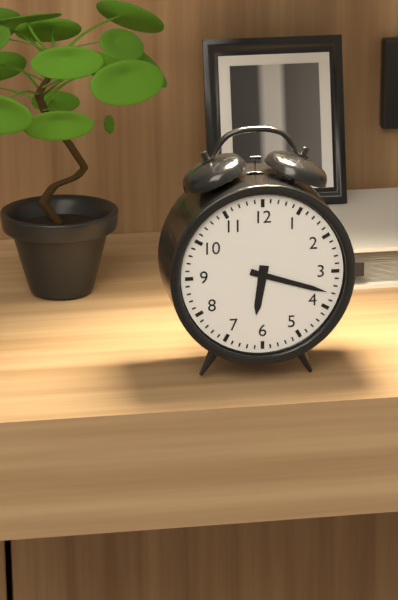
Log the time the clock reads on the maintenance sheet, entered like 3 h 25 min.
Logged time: 6 h 18 min
